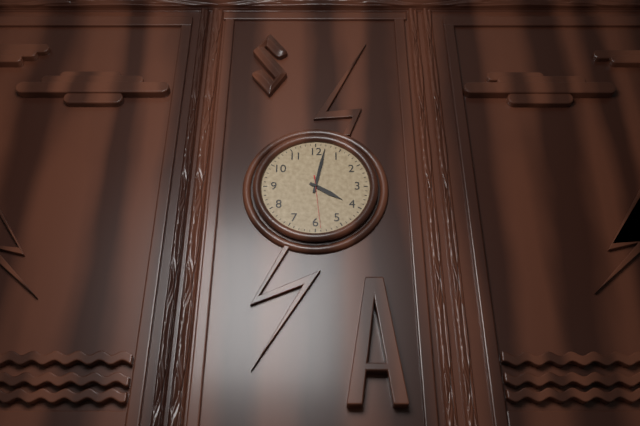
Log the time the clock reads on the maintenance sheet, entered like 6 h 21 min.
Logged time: 4 h 02 min
